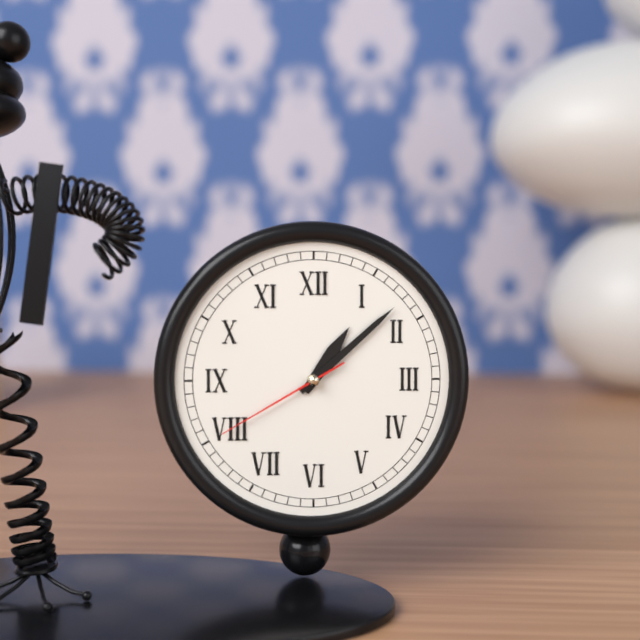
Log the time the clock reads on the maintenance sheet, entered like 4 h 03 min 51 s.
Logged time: 1 h 08 min 40 s
